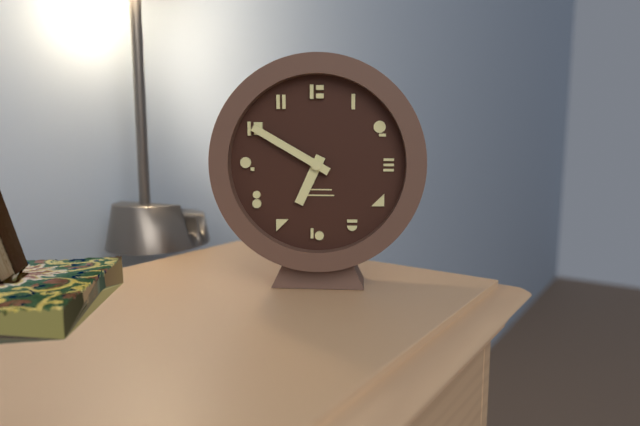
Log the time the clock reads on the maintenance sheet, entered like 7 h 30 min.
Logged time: 6 h 50 min
